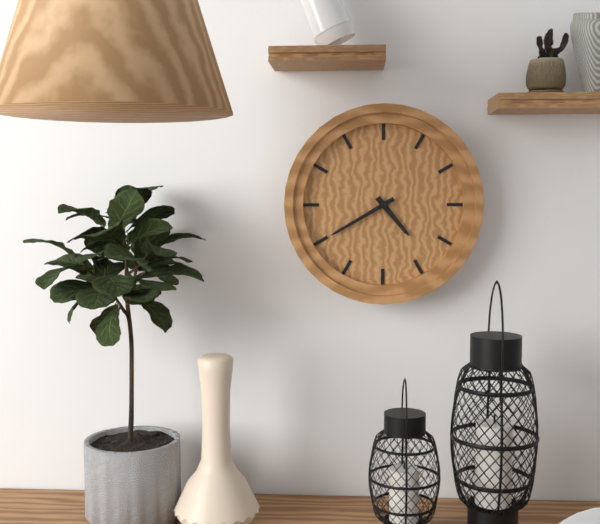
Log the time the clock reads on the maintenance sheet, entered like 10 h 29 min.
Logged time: 4 h 40 min
